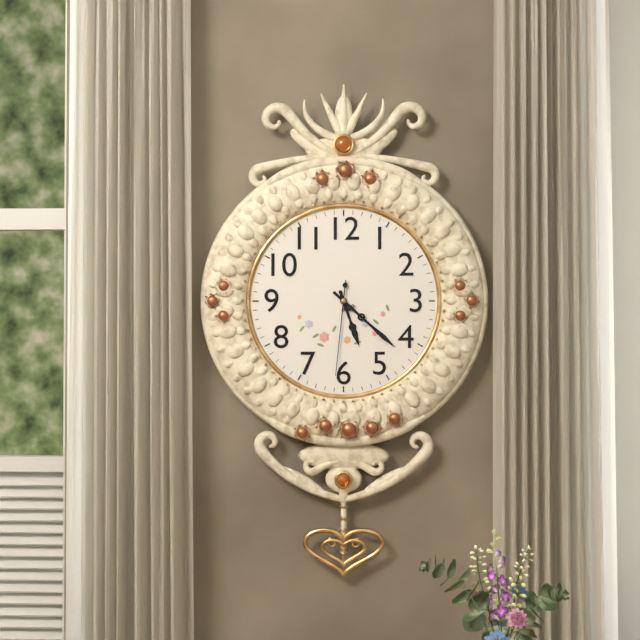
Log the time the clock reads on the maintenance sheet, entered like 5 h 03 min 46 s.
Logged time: 5 h 22 min 31 s
